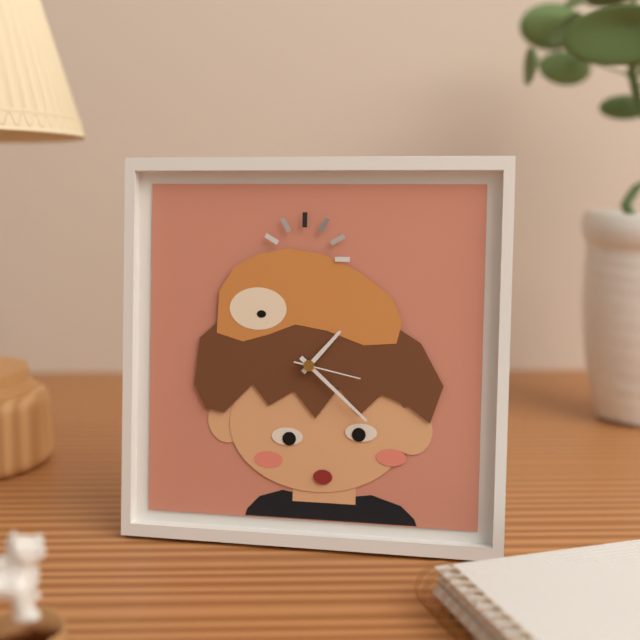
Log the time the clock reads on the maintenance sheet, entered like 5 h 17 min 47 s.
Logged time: 1 h 22 min 17 s
